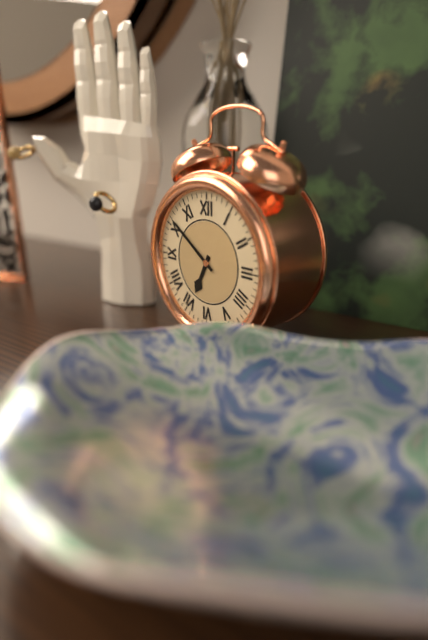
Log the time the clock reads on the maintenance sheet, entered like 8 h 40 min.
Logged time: 6 h 51 min
